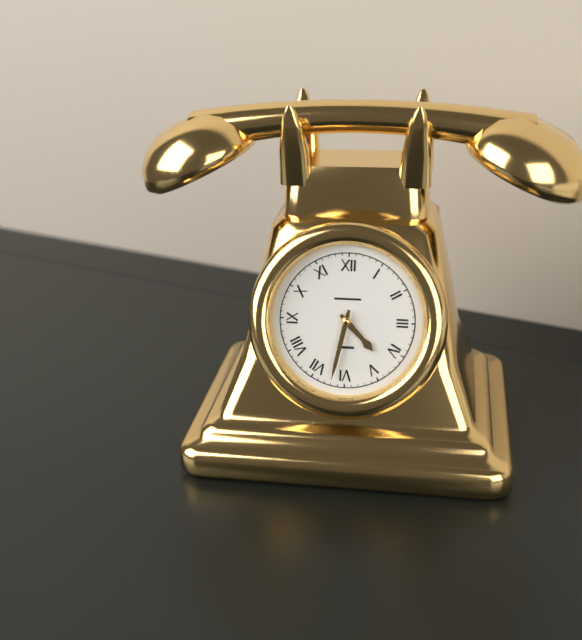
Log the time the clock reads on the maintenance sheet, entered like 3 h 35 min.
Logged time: 4 h 32 min
